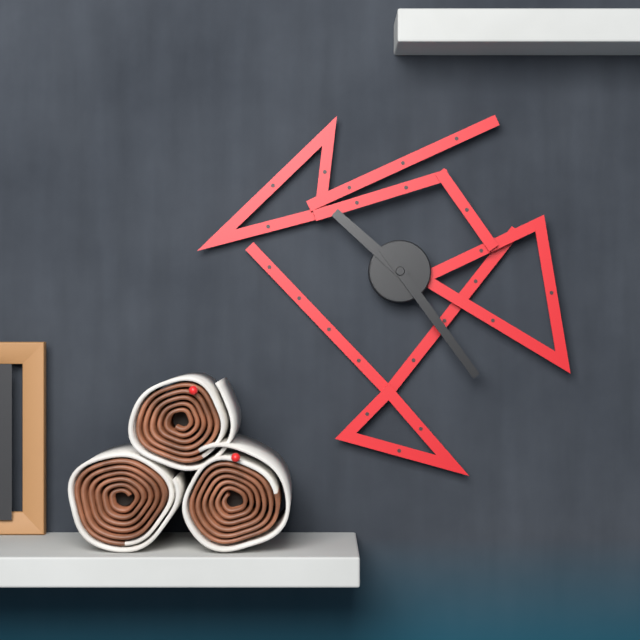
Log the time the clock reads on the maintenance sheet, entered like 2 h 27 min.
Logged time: 10 h 24 min
